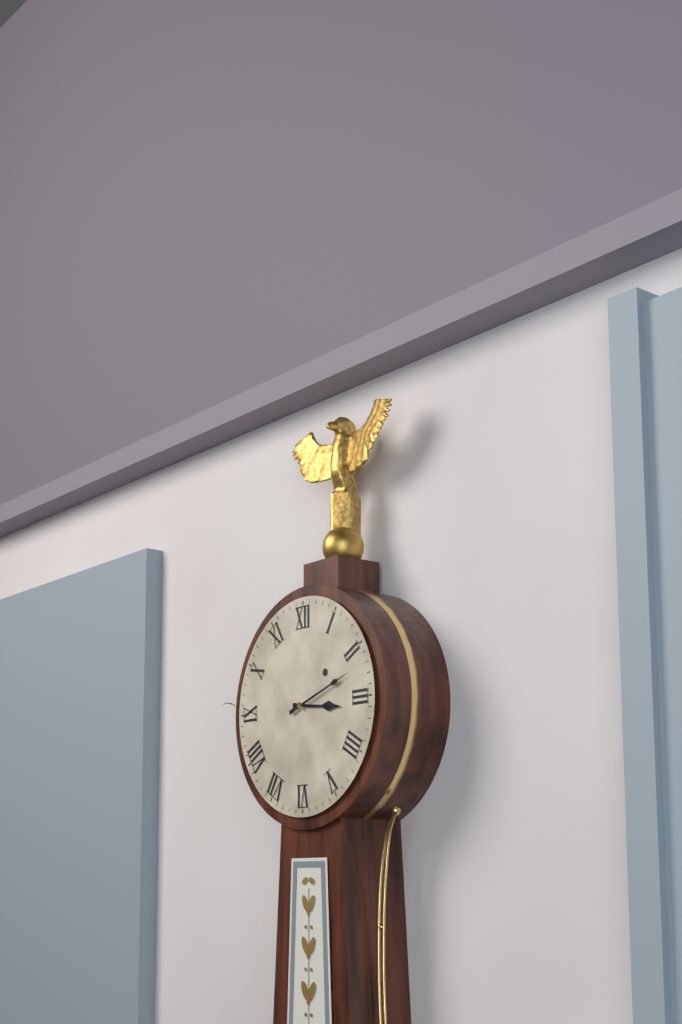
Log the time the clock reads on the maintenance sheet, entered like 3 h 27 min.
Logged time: 3 h 12 min
